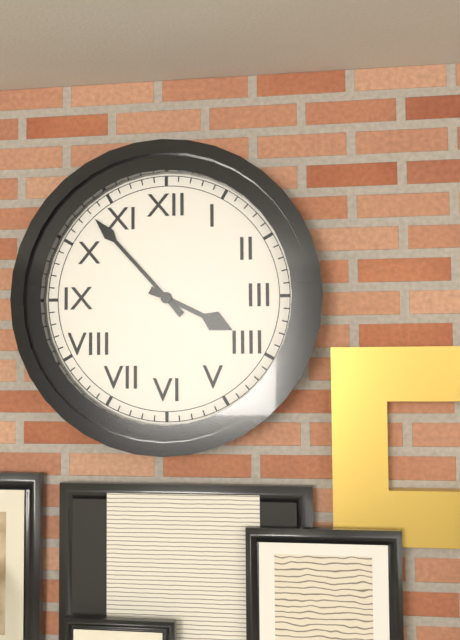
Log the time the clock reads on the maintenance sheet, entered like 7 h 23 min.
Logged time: 3 h 53 min
